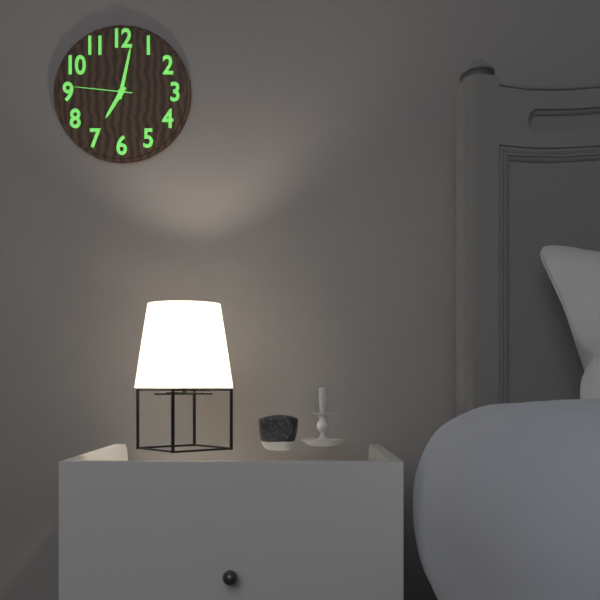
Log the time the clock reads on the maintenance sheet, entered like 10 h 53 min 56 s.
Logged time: 7 h 02 min 46 s
